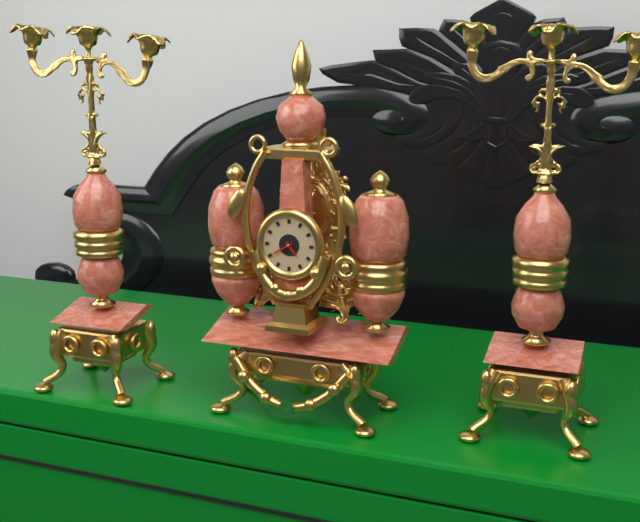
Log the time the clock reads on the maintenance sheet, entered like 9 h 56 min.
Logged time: 4 h 40 min
